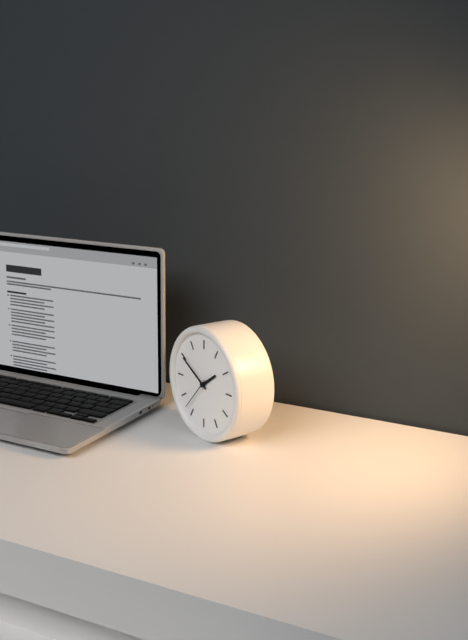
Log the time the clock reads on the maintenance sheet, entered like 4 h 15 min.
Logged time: 1 h 50 min
